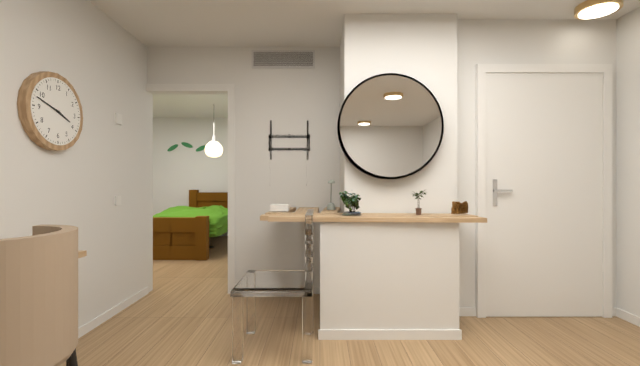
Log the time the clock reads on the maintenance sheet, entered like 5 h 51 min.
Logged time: 3 h 48 min
